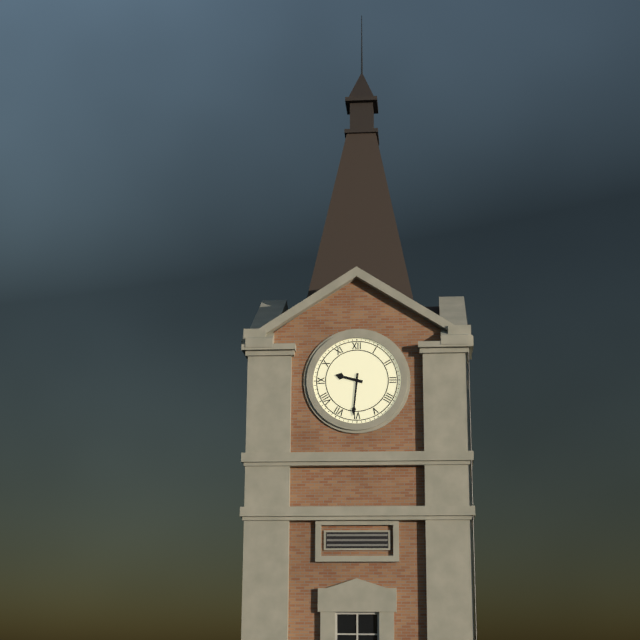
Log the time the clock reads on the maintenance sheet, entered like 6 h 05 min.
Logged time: 9 h 31 min
